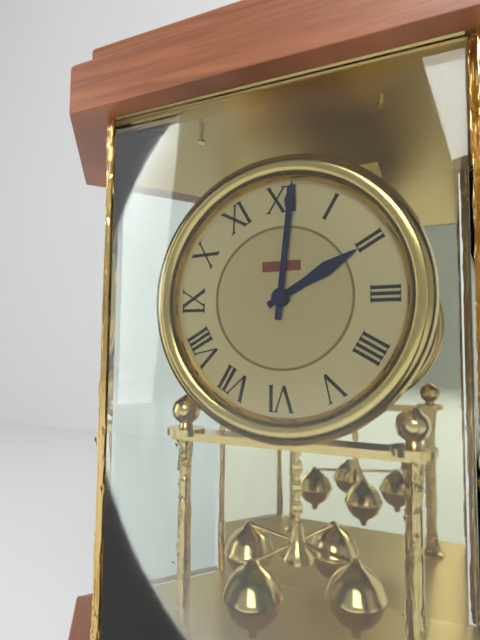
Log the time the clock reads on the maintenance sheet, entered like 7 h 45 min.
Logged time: 2 h 01 min
